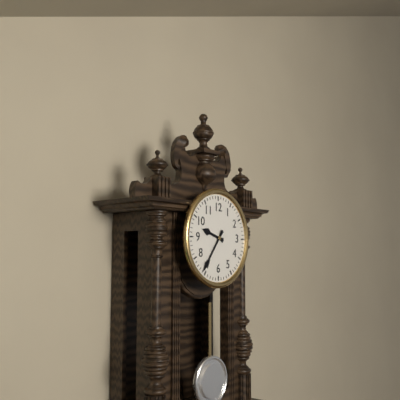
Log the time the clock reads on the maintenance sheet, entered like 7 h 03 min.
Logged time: 9 h 36 min
